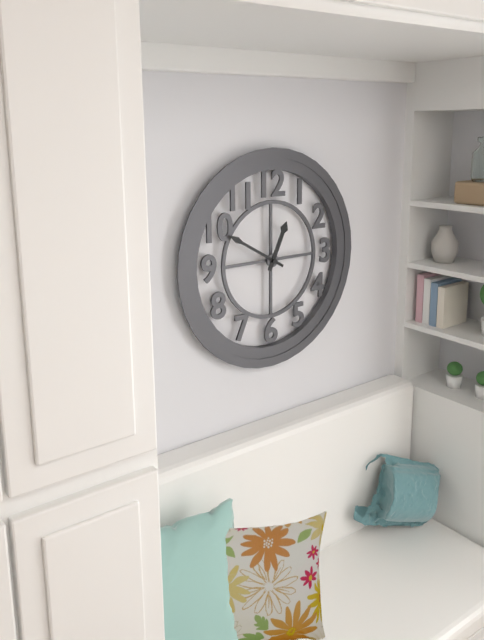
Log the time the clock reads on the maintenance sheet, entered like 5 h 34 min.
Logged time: 12 h 50 min
